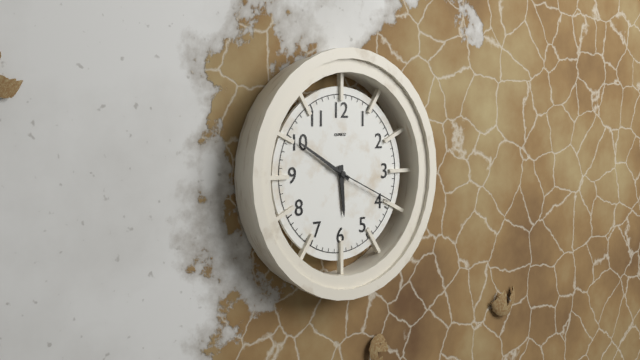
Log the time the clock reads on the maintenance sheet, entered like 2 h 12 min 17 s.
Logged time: 5 h 50 min 19 s
